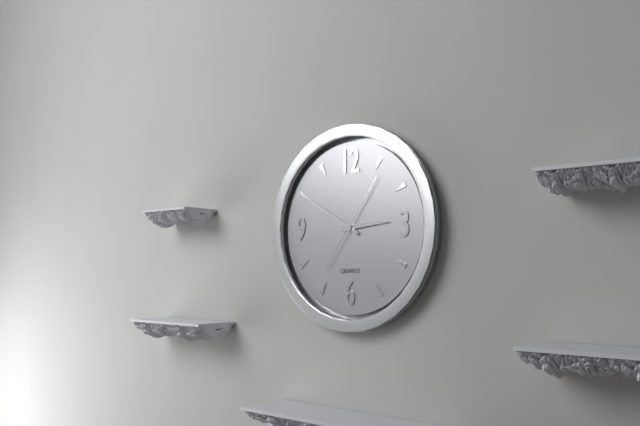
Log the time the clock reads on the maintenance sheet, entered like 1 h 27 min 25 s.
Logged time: 2 h 50 min 06 s
